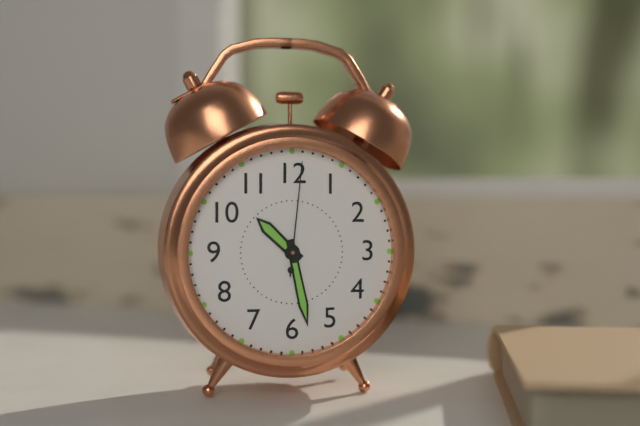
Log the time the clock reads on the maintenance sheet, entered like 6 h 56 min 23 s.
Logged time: 10 h 28 min 01 s
